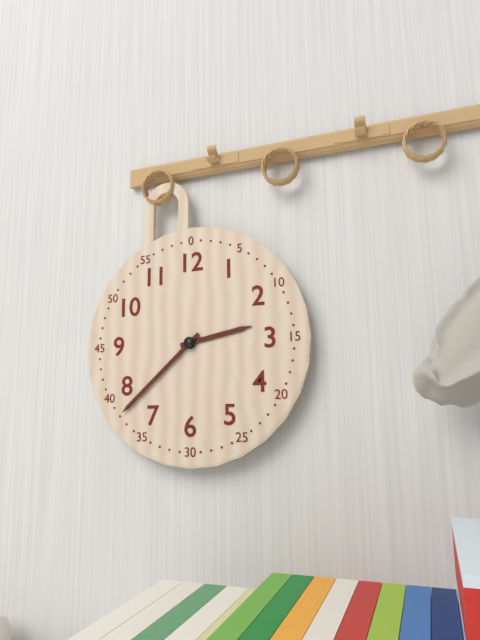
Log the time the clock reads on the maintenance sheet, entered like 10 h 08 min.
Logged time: 2 h 38 min
